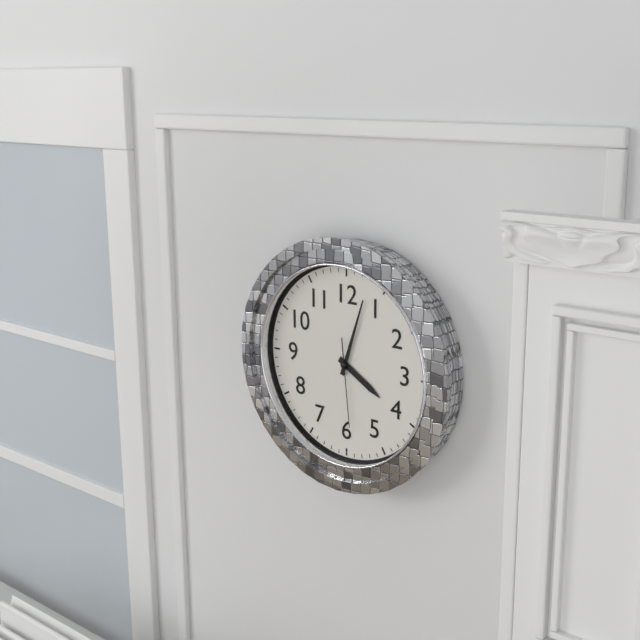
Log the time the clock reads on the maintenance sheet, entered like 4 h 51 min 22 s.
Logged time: 4 h 03 min 29 s
